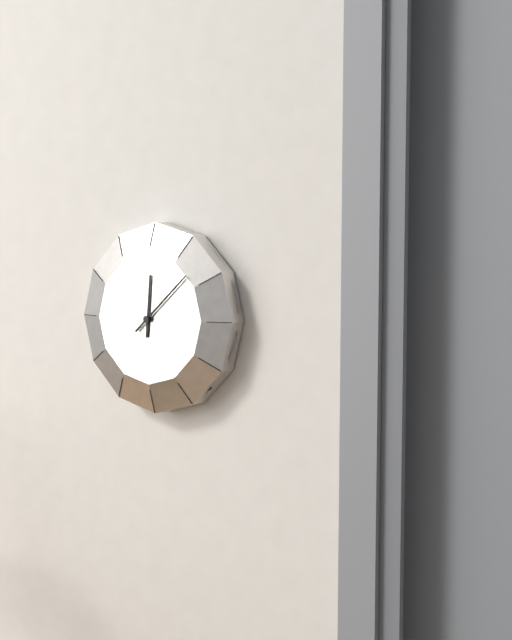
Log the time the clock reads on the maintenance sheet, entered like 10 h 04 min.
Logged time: 12 h 08 min
